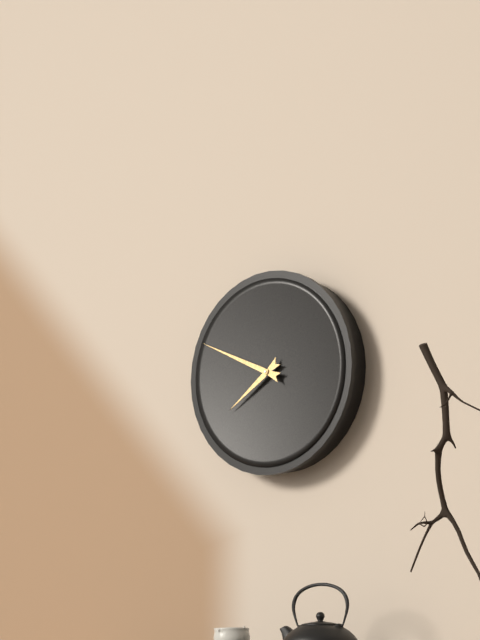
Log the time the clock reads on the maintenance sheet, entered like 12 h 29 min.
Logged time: 7 h 49 min
